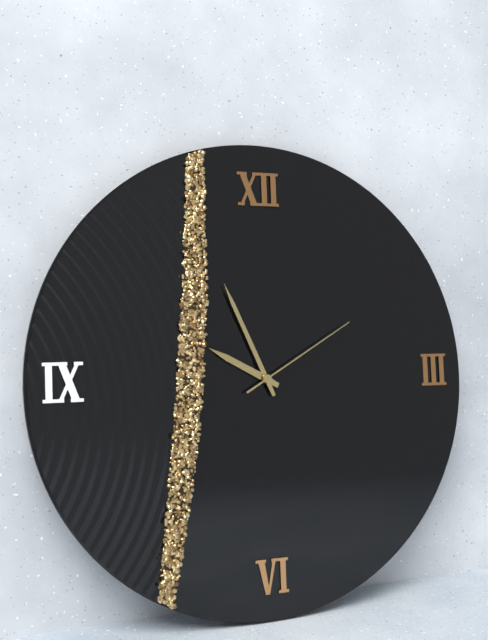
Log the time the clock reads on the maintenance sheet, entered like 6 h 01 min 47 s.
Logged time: 9 h 56 min 10 s
